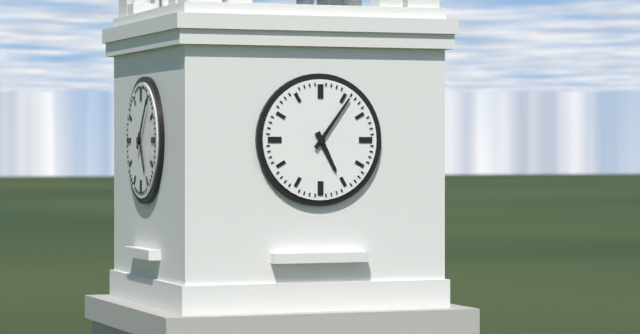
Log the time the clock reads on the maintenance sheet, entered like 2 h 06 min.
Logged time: 5 h 06 min
